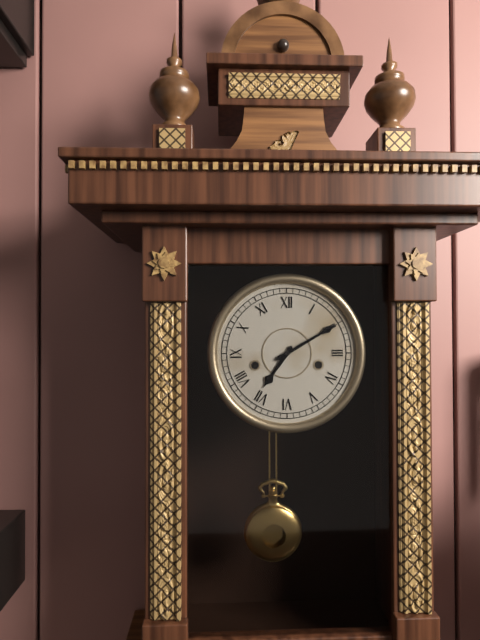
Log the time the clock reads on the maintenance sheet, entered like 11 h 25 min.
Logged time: 7 h 10 min
